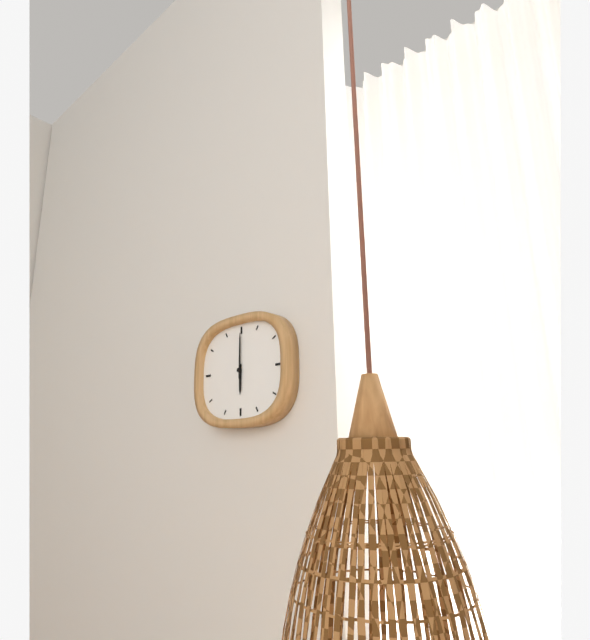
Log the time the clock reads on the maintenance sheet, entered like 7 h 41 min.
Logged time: 6 h 00 min
